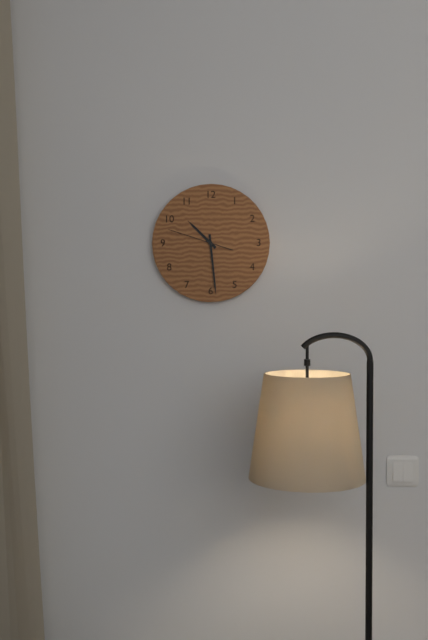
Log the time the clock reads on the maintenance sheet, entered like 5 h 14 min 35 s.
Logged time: 10 h 29 min 48 s
